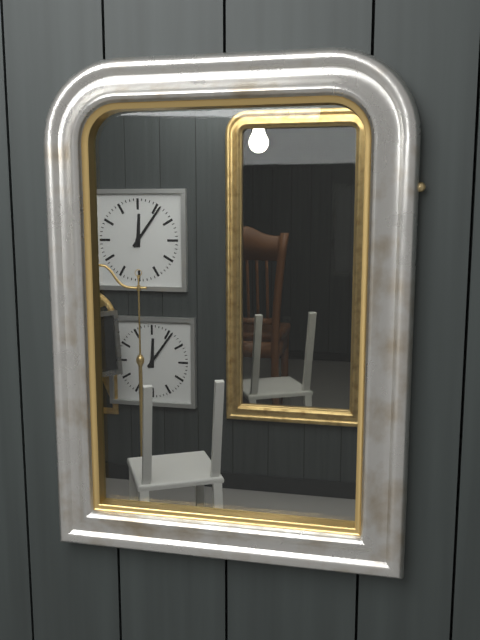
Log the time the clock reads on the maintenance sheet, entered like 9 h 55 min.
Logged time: 12 h 06 min
